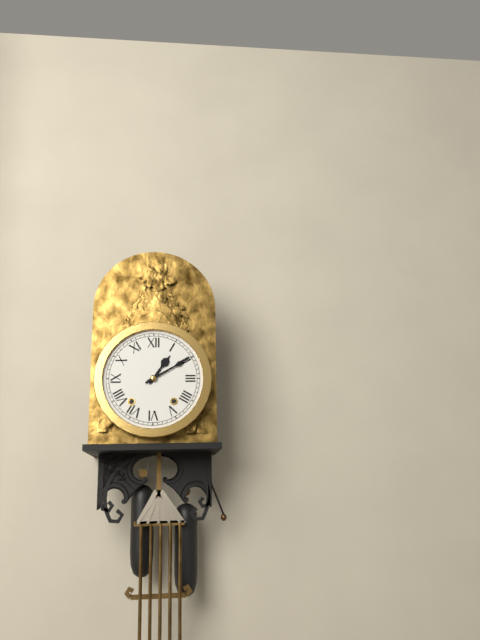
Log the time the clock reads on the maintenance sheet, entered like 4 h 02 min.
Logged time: 1 h 10 min
